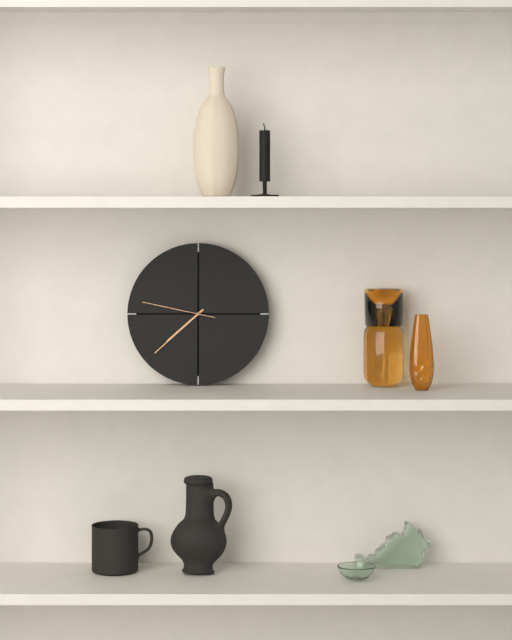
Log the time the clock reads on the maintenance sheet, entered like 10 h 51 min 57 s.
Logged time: 7 h 38 min 47 s
